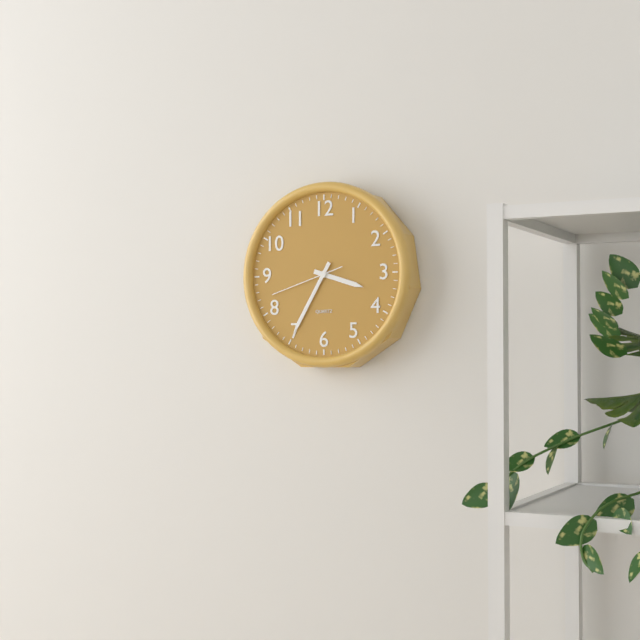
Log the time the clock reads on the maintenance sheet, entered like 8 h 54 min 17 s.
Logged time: 3 h 35 min 42 s
